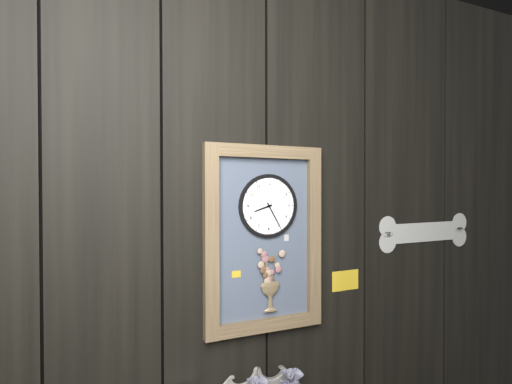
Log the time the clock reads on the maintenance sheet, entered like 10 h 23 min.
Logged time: 8 h 25 min
